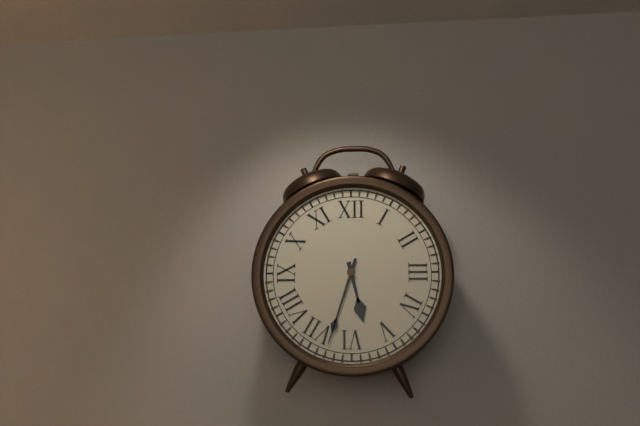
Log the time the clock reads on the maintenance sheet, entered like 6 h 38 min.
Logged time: 5 h 33 min
